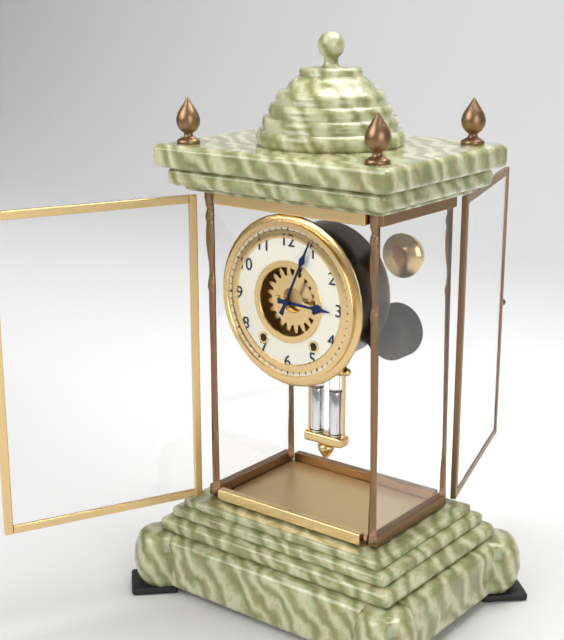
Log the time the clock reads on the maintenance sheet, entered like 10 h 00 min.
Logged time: 3 h 04 min
